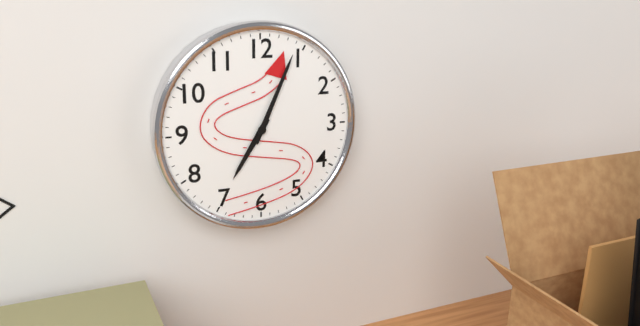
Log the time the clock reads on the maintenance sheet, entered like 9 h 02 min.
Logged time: 7 h 04 min
